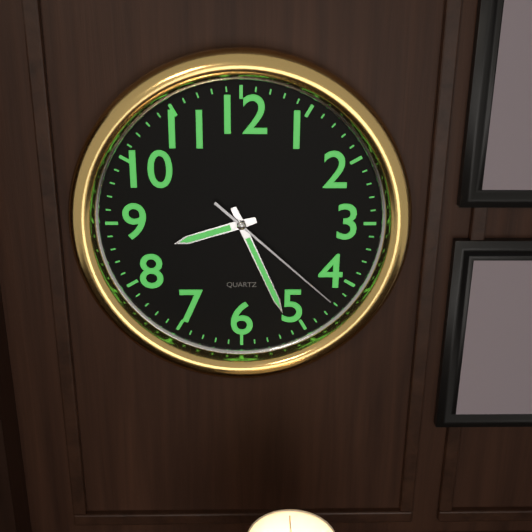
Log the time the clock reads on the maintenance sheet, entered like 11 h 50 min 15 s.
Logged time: 8 h 26 min 22 s
